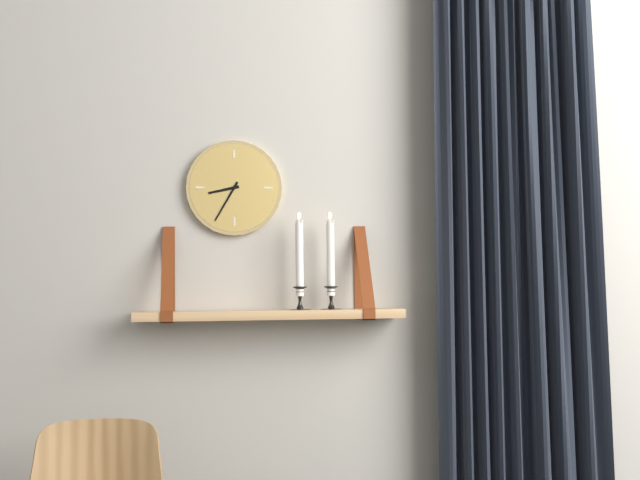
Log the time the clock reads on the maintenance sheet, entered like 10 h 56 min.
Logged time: 8 h 35 min
